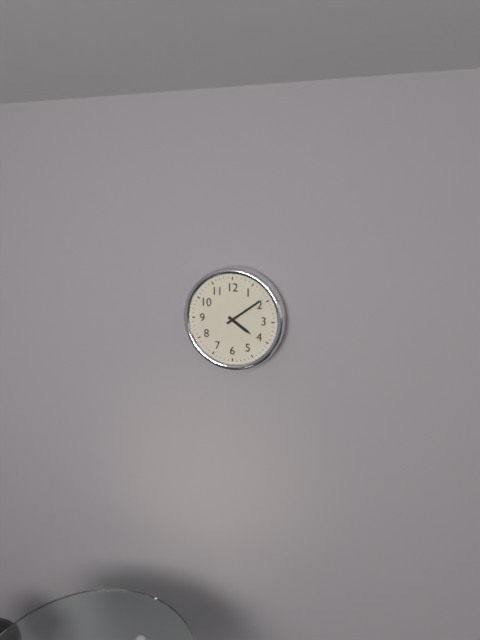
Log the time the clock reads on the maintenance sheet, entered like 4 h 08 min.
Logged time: 4 h 09 min
